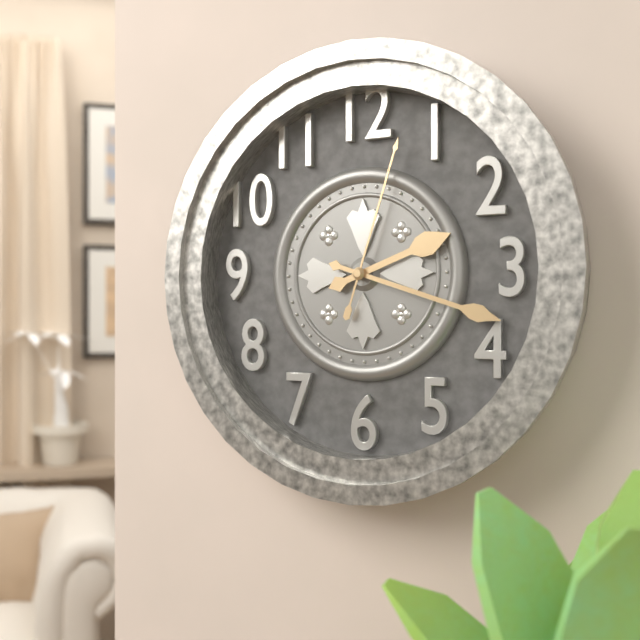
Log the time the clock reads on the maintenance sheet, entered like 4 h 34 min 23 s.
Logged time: 2 h 18 min 03 s
